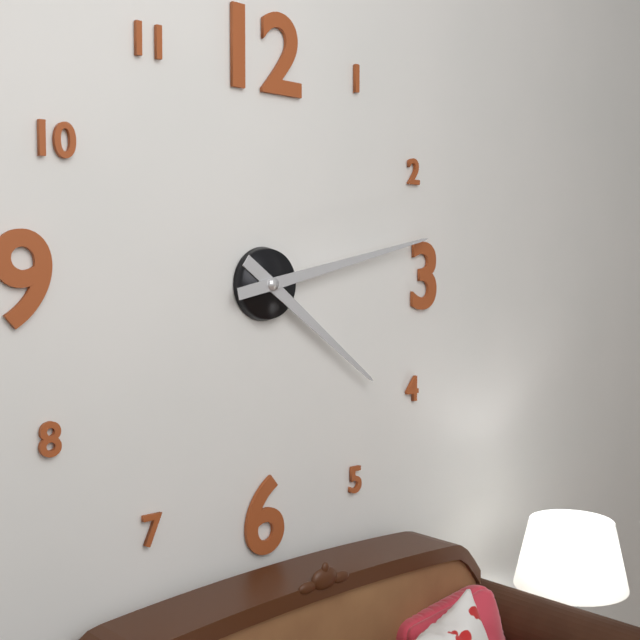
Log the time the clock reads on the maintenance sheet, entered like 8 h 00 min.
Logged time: 4 h 13 min
